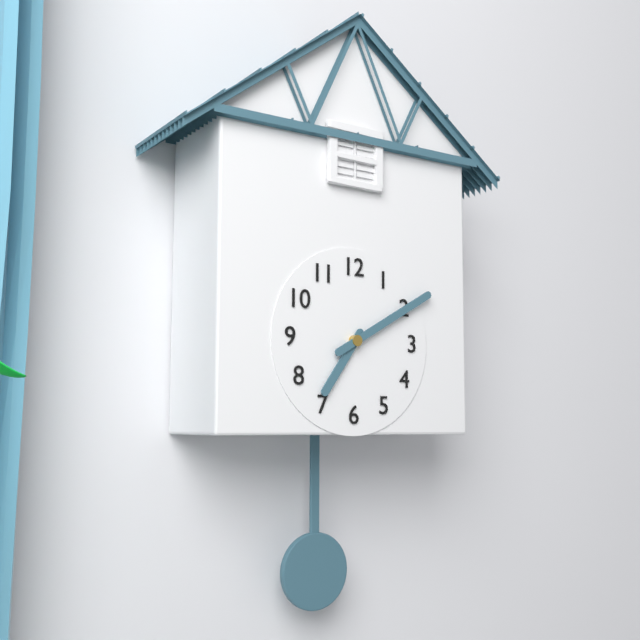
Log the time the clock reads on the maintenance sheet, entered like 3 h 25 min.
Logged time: 7 h 10 min
